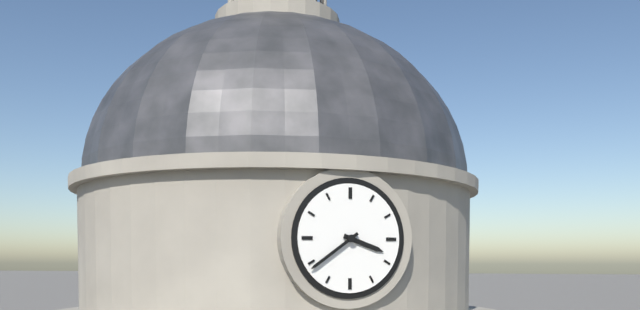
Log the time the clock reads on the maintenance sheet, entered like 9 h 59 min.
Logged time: 3 h 39 min
